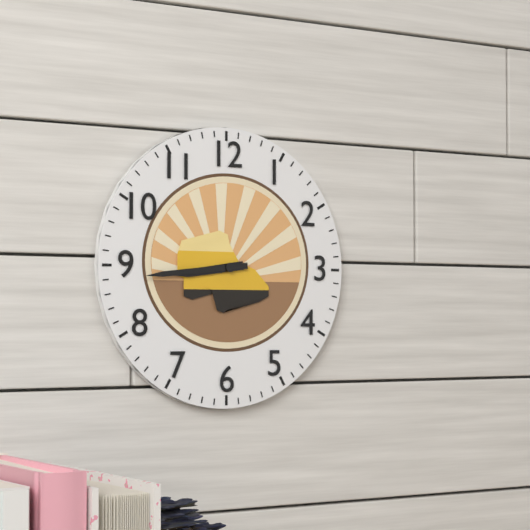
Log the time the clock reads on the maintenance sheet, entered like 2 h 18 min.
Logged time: 8 h 44 min
